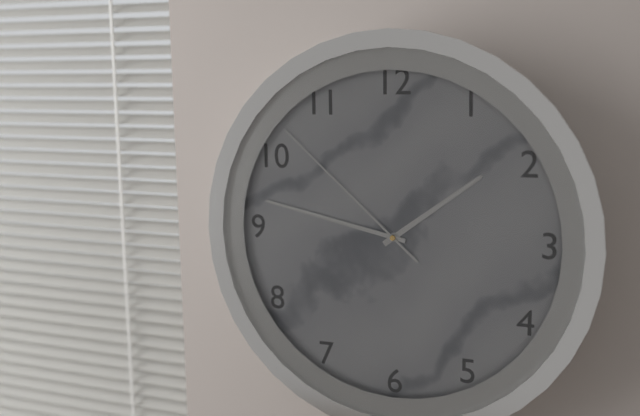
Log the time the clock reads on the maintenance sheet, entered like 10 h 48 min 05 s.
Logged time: 1 h 47 min 52 s
